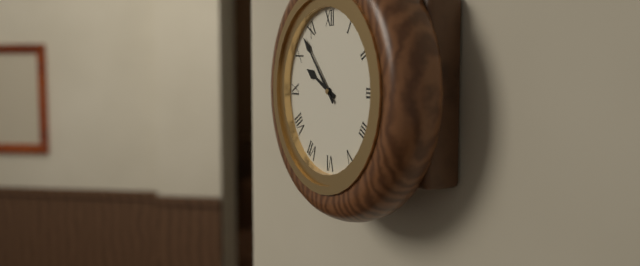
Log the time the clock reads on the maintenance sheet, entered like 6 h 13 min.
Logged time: 9 h 53 min
